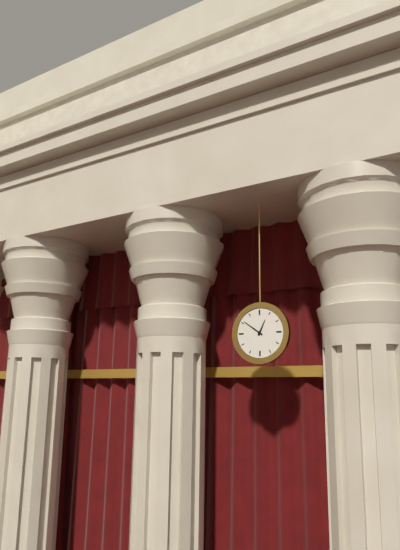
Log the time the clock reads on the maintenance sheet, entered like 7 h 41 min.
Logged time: 12 h 51 min
